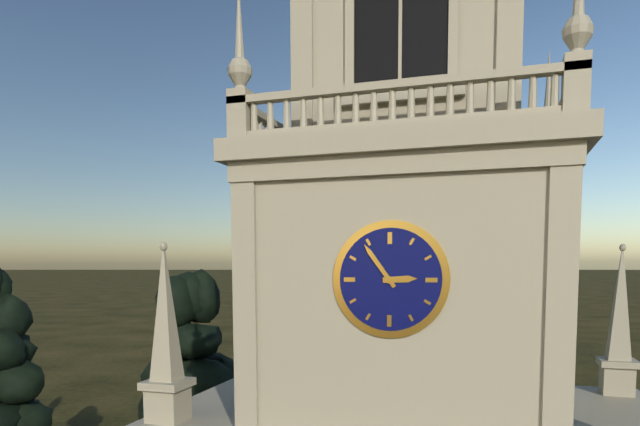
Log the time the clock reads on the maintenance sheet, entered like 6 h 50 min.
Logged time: 2 h 54 min
